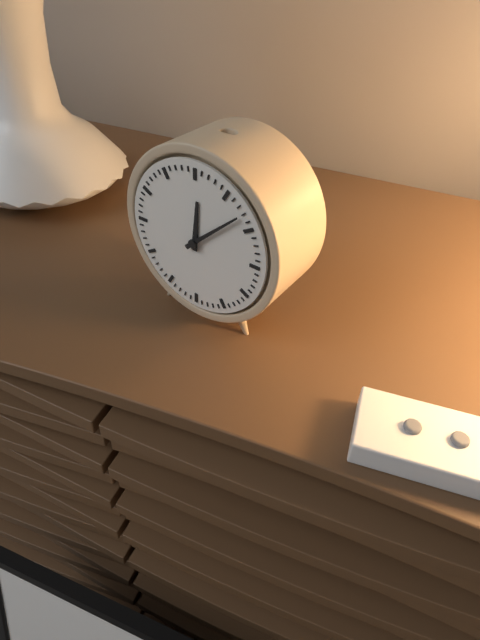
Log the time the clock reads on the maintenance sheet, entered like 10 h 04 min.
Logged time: 12 h 08 min
